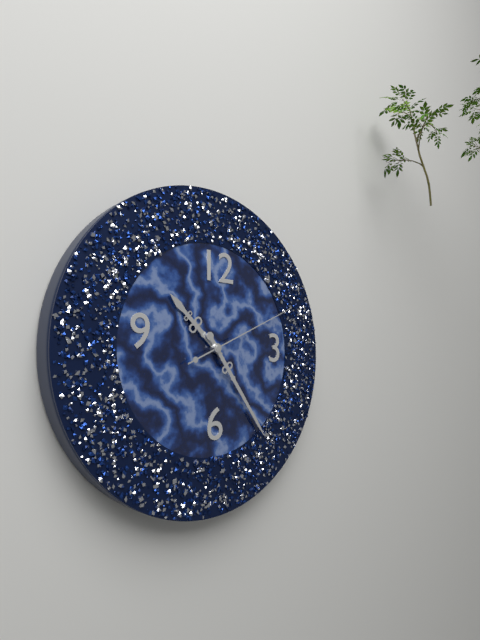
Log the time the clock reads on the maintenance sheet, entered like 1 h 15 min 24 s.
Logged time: 10 h 24 min 11 s
